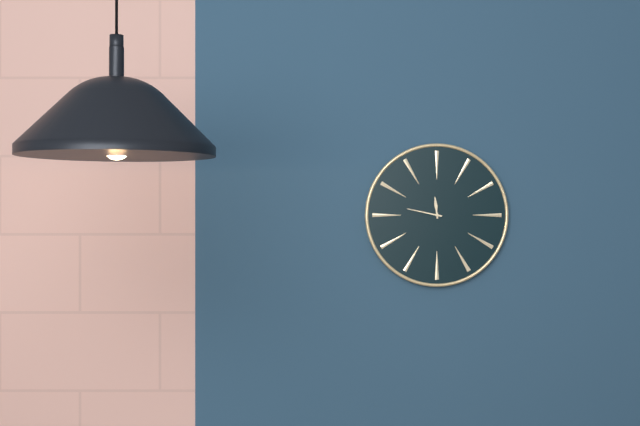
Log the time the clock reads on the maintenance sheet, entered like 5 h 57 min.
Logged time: 11 h 47 min
